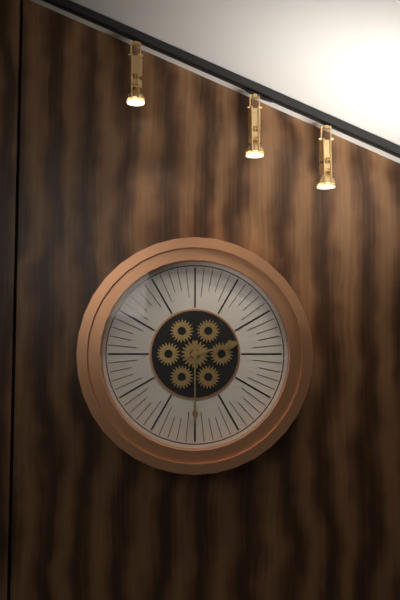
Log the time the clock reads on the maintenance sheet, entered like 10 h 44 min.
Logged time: 2 h 30 min
